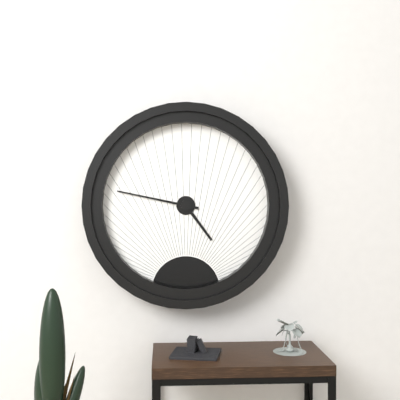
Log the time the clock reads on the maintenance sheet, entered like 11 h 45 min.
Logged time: 4 h 47 min
